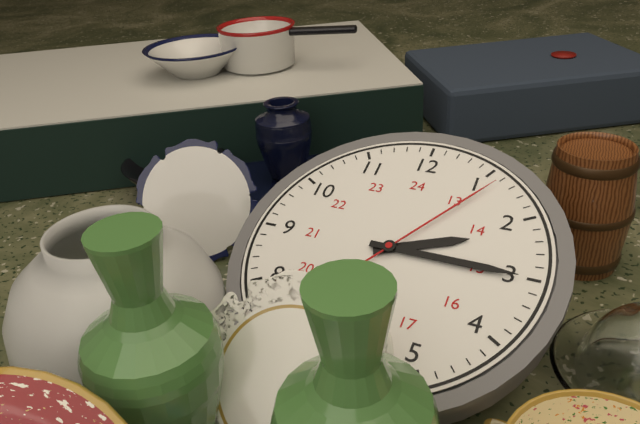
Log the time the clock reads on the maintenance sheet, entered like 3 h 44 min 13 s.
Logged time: 2 h 15 min 06 s
